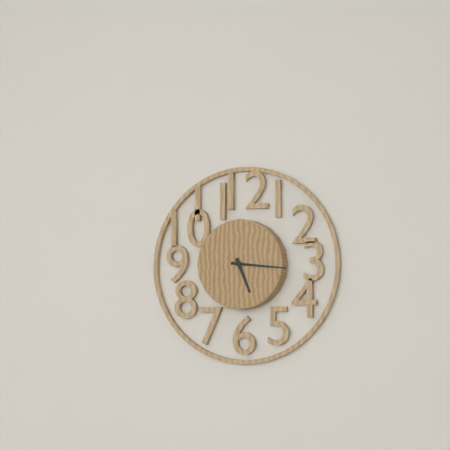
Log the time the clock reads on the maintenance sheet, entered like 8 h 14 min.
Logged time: 5 h 16 min
